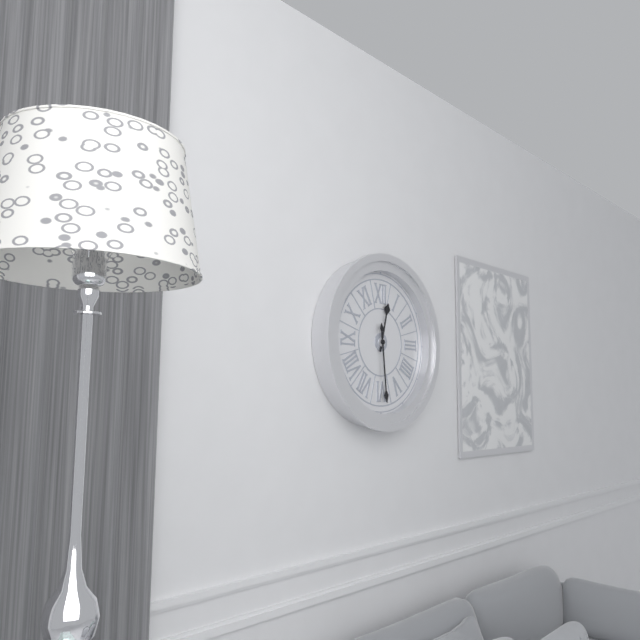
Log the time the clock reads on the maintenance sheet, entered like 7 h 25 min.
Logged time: 12 h 29 min
